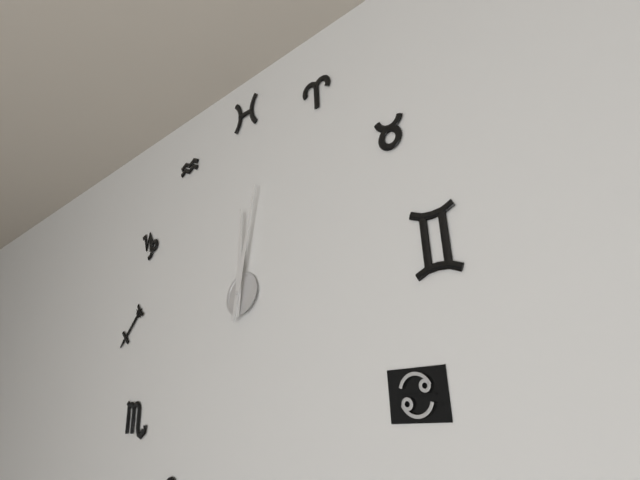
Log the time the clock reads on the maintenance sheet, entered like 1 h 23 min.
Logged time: 12 h 02 min
